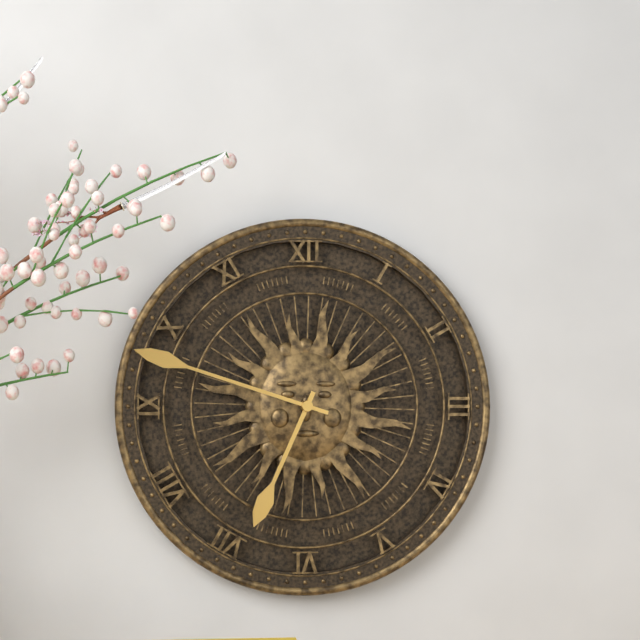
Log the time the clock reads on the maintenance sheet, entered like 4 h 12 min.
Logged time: 6 h 48 min
